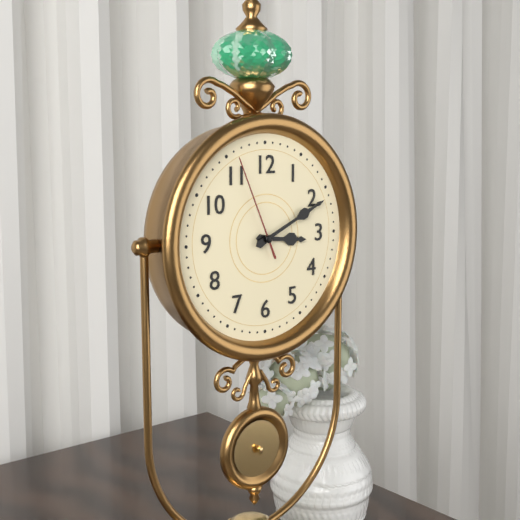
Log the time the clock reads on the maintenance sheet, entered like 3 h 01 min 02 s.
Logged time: 3 h 11 min 56 s
